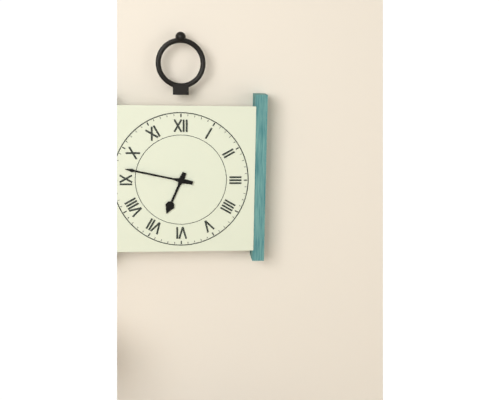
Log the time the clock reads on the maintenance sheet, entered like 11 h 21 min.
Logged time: 6 h 47 min
